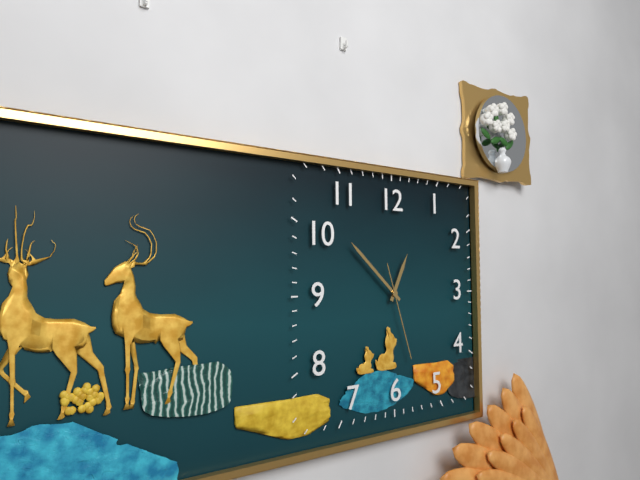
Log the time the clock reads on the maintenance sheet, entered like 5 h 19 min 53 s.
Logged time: 12 h 52 min 27 s
